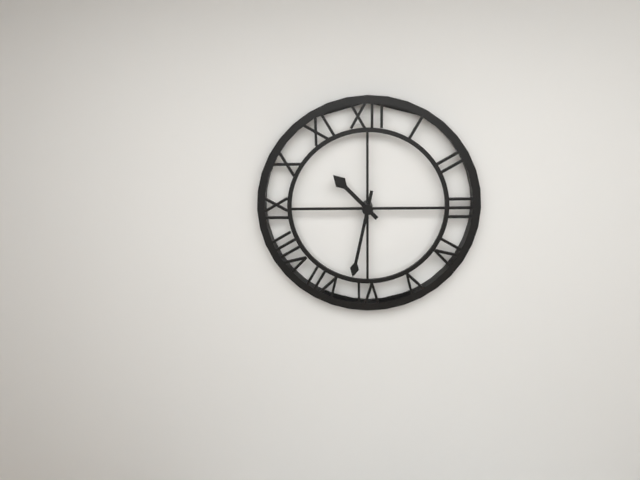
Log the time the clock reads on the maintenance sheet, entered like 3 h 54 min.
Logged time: 10 h 32 min
